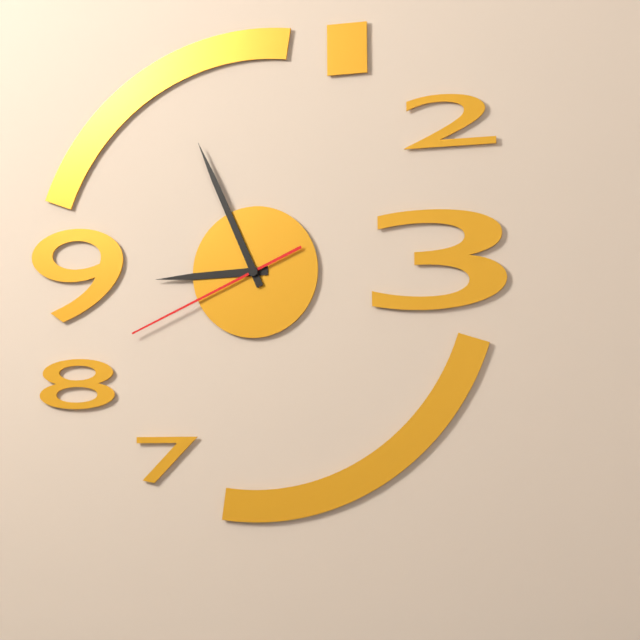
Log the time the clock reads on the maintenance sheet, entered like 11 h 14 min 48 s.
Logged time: 8 h 56 min 41 s
